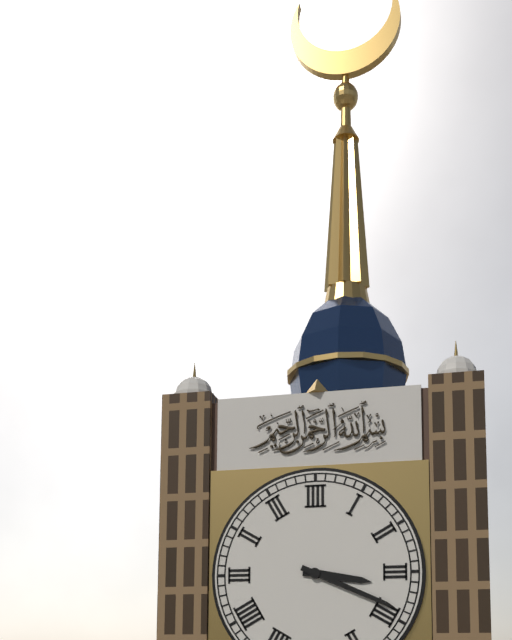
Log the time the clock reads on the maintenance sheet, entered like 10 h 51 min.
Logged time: 3 h 19 min
